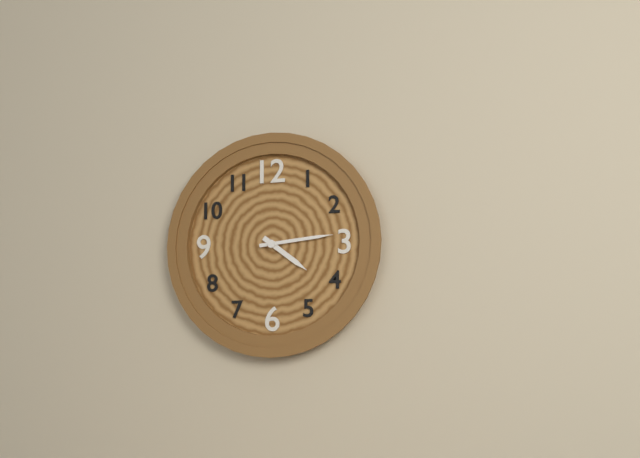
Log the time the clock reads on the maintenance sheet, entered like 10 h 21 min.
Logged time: 4 h 14 min
